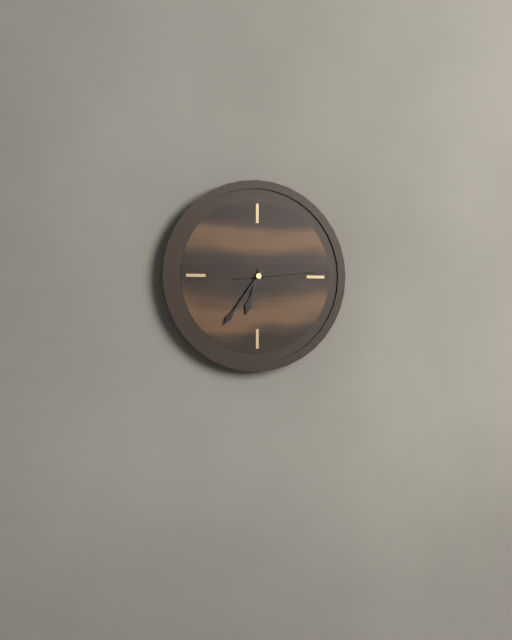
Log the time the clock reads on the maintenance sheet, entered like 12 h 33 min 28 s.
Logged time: 6 h 36 min 14 s
